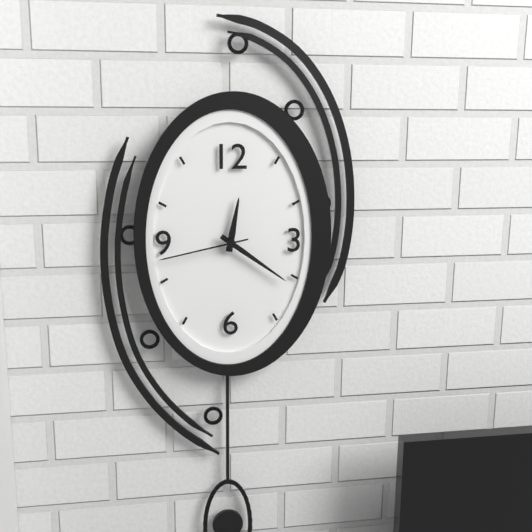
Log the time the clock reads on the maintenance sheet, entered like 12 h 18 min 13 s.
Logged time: 12 h 21 min 43 s
